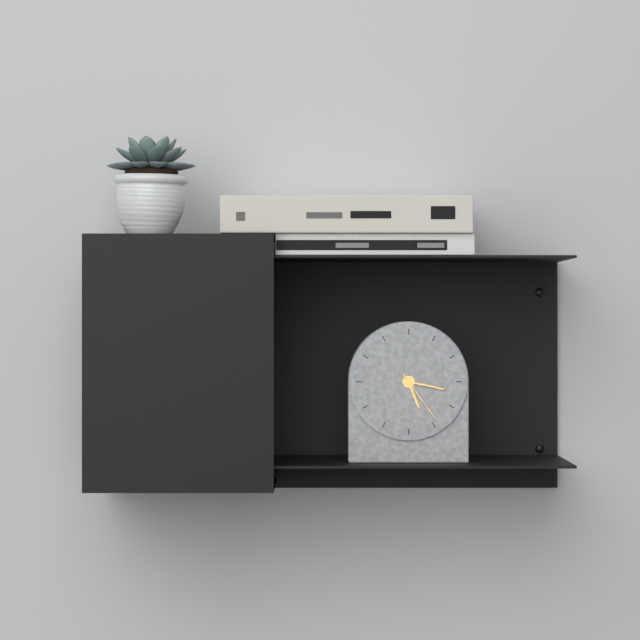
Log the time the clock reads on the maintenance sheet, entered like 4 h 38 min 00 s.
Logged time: 5 h 17 min 24 s
